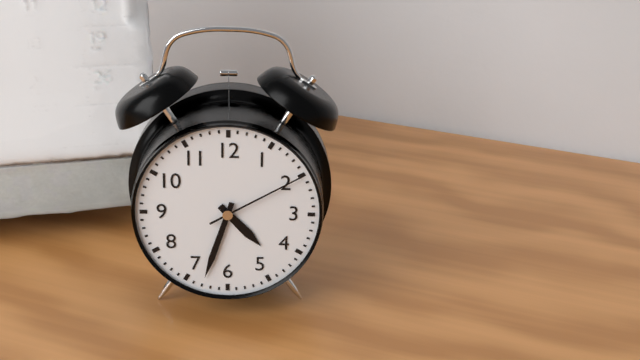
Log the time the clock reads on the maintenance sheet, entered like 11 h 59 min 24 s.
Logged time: 4 h 33 min 10 s
